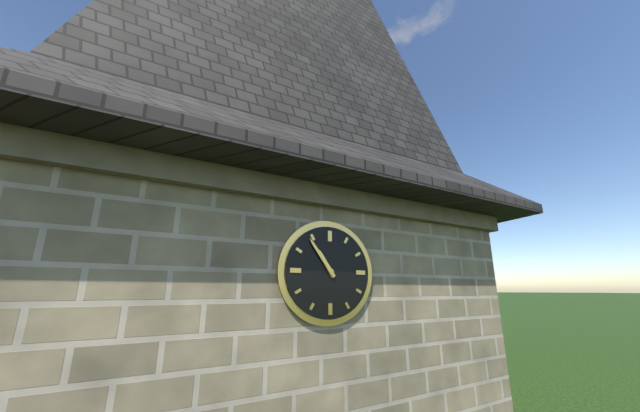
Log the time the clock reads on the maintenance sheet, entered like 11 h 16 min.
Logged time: 10 h 54 min
